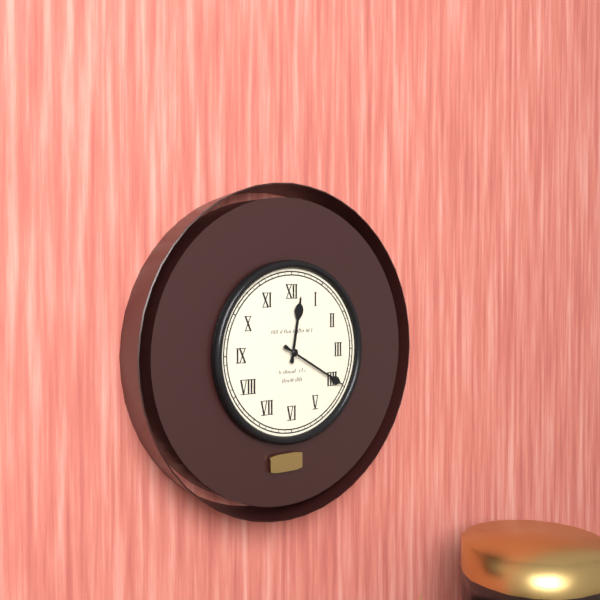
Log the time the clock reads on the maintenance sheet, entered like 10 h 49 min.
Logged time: 12 h 20 min
